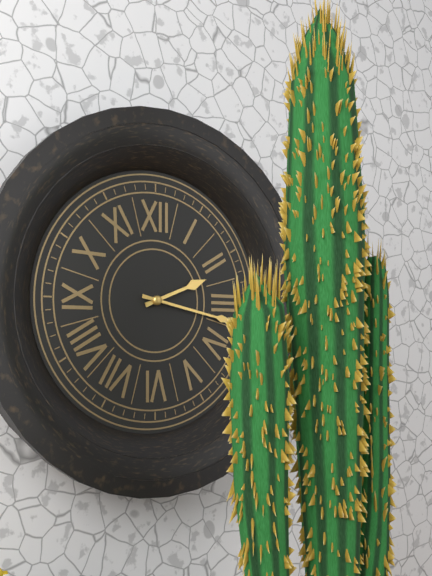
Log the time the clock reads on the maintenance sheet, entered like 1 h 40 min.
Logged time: 2 h 17 min
